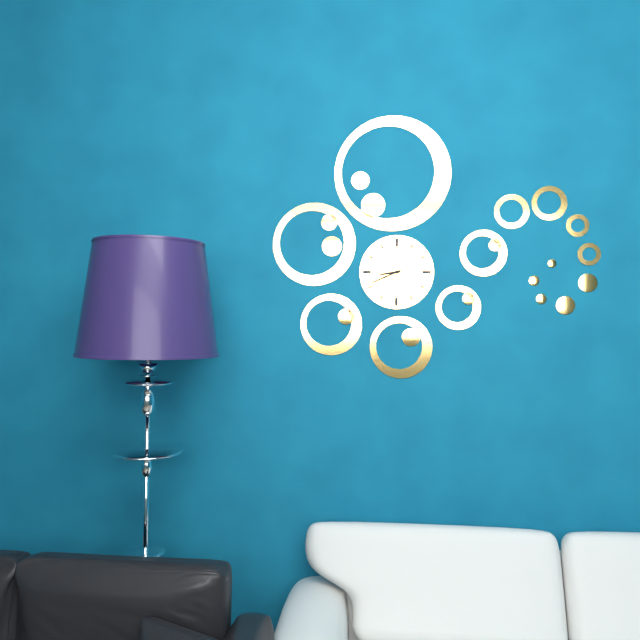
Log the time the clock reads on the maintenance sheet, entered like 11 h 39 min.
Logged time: 8 h 41 min
